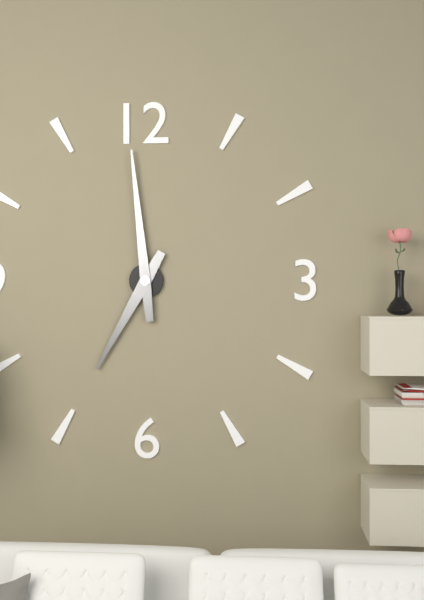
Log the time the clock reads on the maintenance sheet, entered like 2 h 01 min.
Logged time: 6 h 59 min
